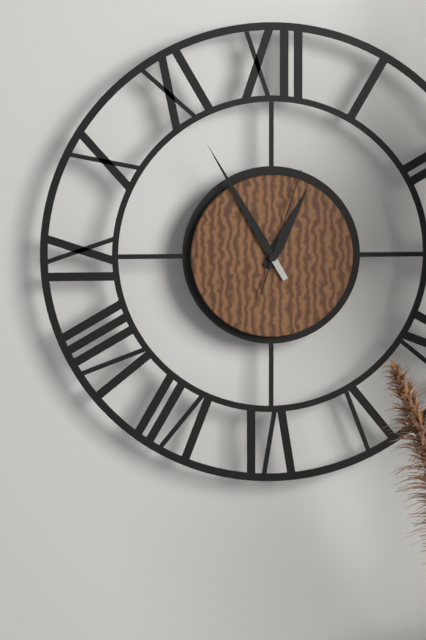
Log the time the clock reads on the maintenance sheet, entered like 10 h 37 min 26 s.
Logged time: 12 h 55 min 03 s
